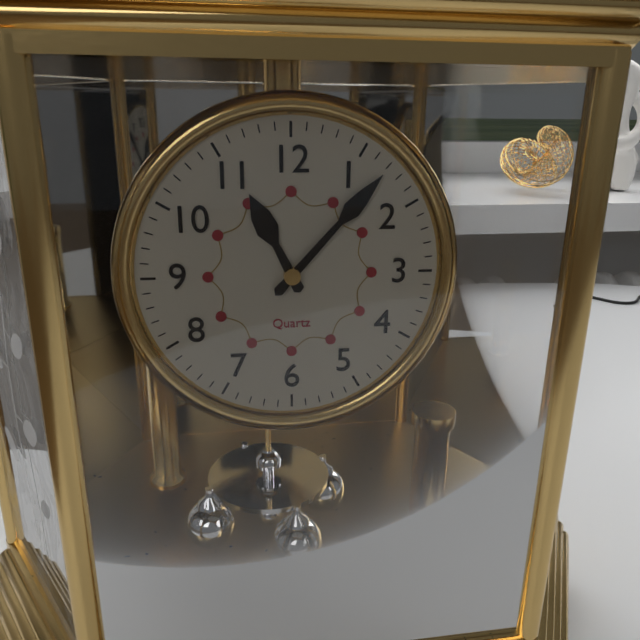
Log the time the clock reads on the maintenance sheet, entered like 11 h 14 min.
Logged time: 11 h 07 min
